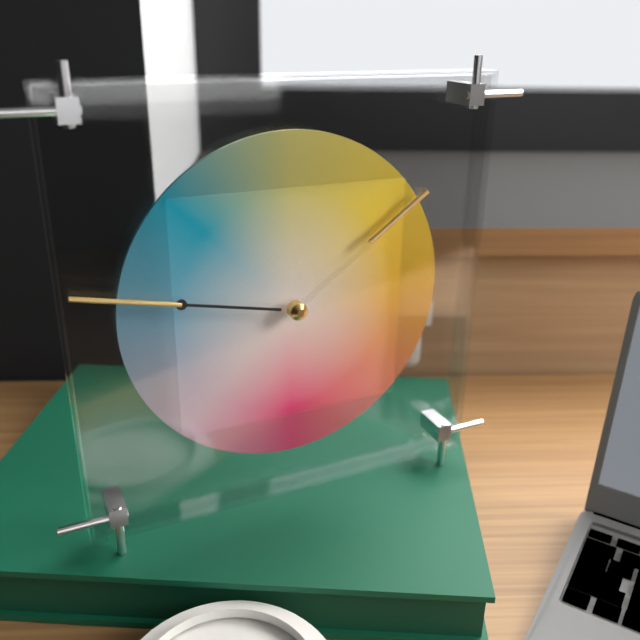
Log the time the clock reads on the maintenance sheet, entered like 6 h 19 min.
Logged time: 1 h 47 min
